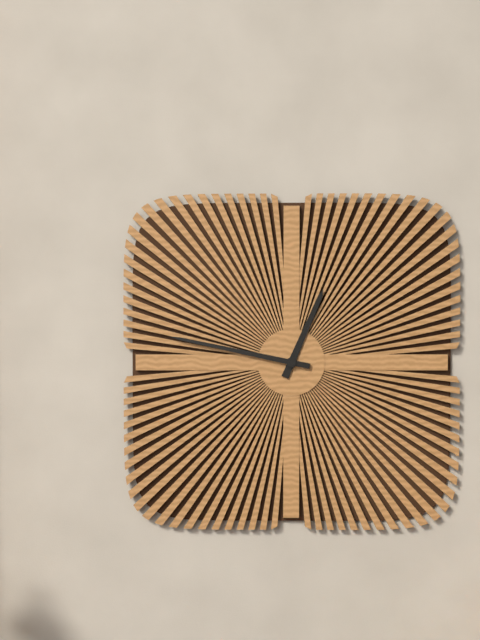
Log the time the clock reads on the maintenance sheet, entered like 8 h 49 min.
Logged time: 12 h 47 min
